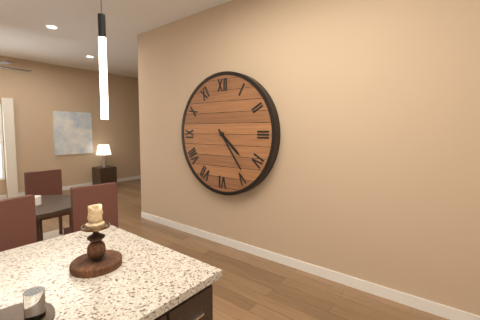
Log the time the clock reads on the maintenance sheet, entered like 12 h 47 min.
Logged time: 4 h 24 min
